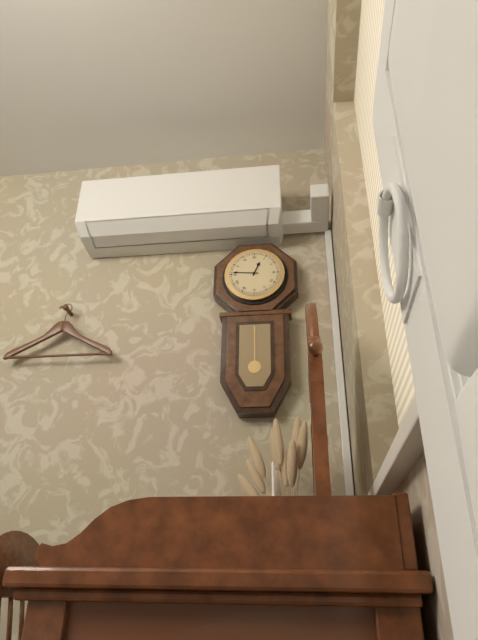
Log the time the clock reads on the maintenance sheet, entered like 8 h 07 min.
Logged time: 12 h 46 min
